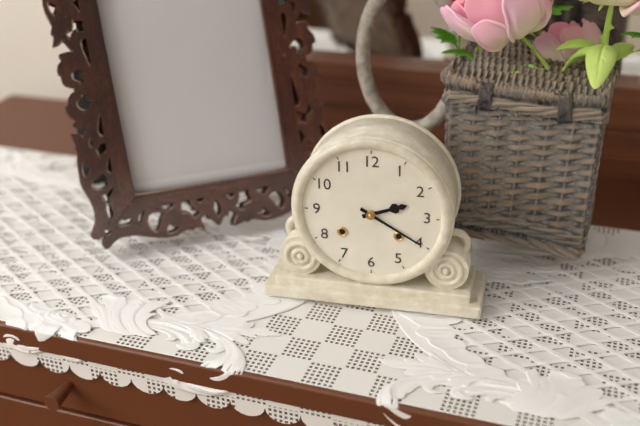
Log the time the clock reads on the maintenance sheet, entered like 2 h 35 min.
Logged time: 2 h 20 min
